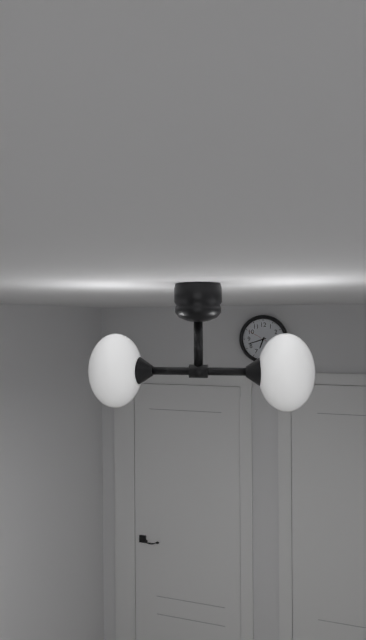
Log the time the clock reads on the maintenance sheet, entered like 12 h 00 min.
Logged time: 6 h 42 min
